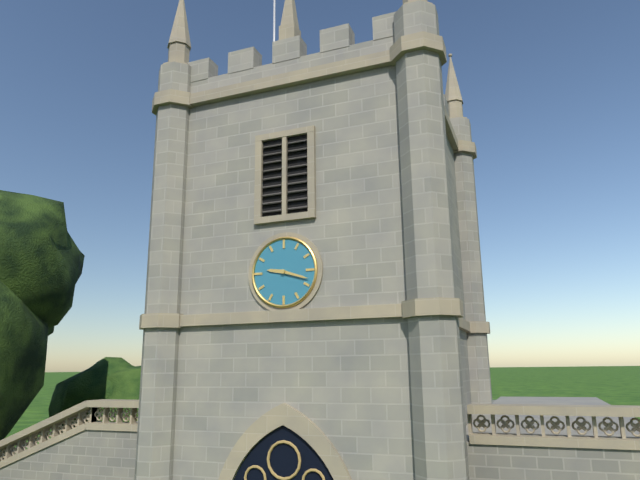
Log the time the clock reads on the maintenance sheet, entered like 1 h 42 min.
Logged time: 9 h 18 min
